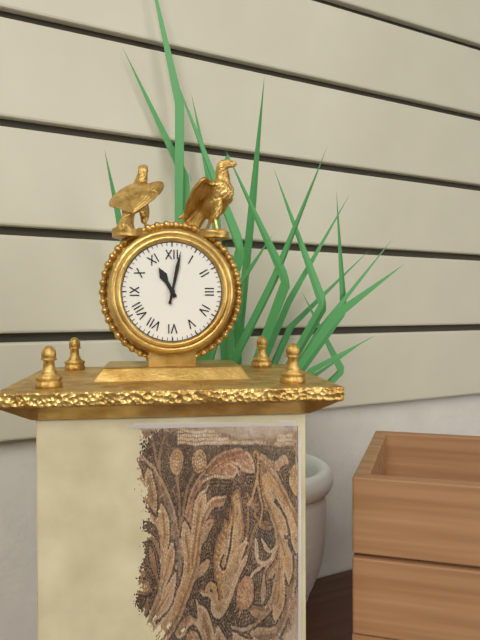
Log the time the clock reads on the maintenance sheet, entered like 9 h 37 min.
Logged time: 11 h 02 min
